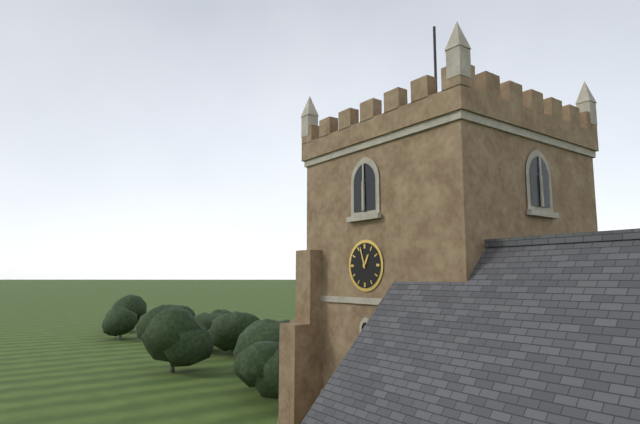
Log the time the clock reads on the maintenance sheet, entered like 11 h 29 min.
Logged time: 12 h 57 min
